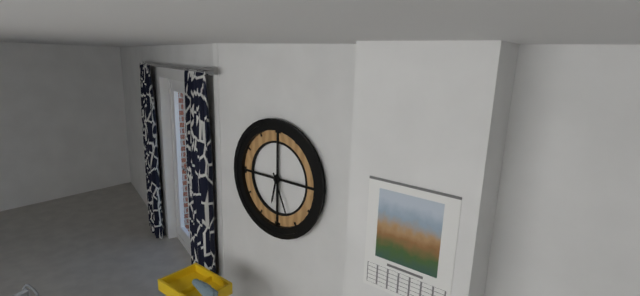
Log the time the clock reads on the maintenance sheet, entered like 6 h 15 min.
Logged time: 6 h 26 min
